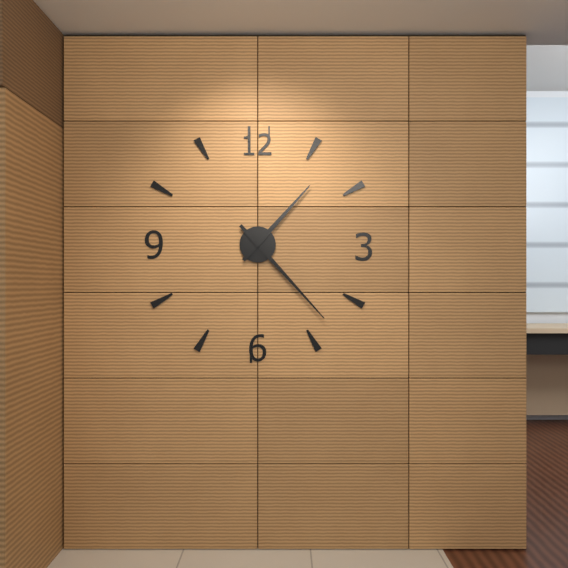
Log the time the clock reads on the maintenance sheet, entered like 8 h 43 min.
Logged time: 1 h 23 min
